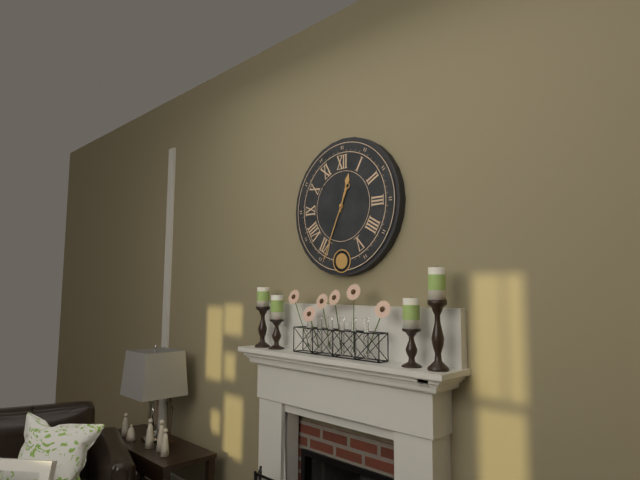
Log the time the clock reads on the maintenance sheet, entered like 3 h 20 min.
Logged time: 12 h 34 min
